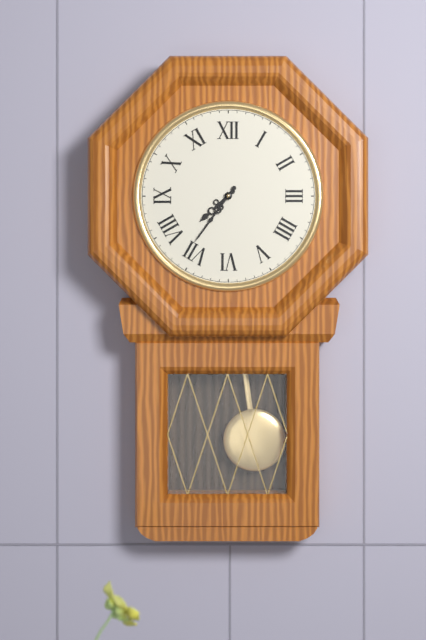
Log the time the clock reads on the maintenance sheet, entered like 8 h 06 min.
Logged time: 7 h 36 min
